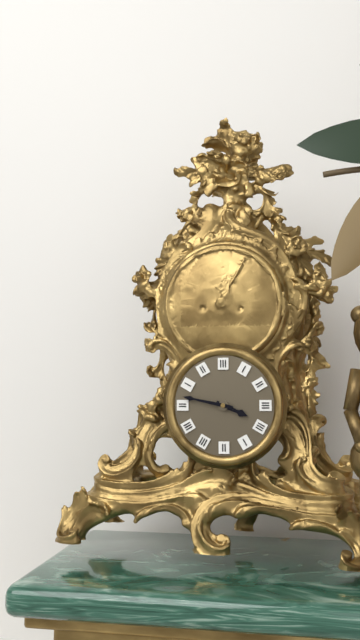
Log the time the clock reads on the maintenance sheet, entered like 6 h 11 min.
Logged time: 3 h 47 min
